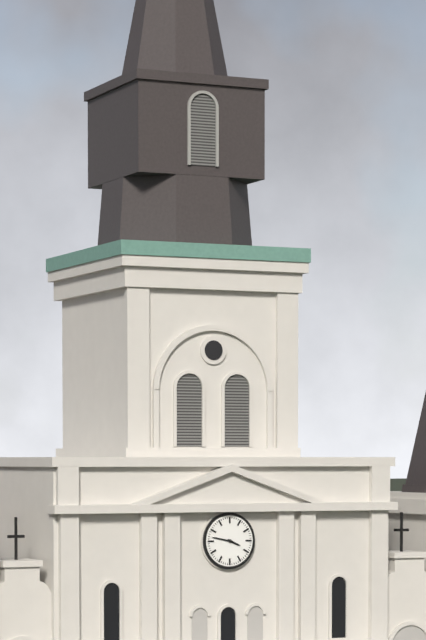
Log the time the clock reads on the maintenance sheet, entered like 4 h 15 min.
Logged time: 3 h 47 min
